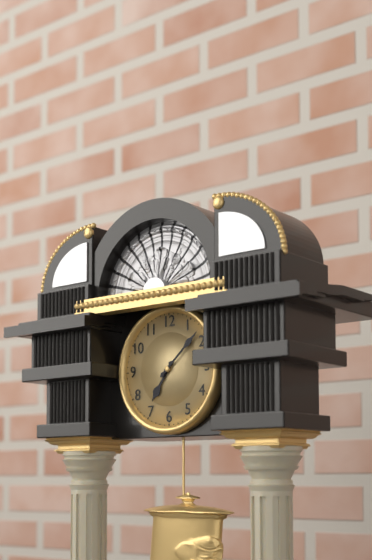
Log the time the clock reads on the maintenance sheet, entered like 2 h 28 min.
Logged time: 7 h 08 min
